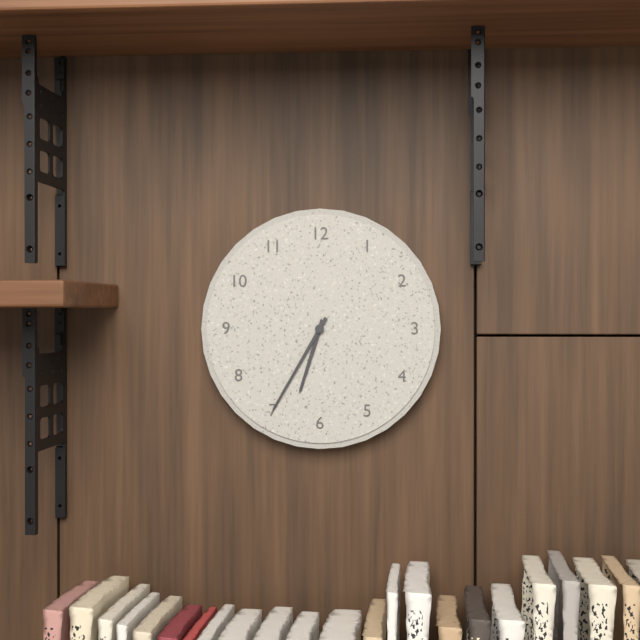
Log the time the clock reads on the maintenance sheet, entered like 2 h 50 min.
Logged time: 6 h 35 min
